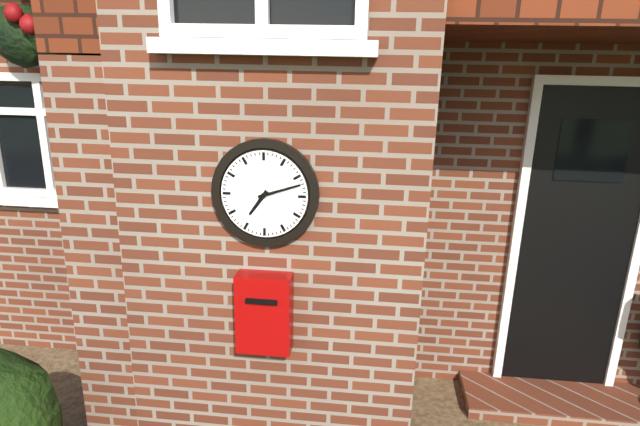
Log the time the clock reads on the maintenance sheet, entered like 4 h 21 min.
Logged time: 7 h 12 min
